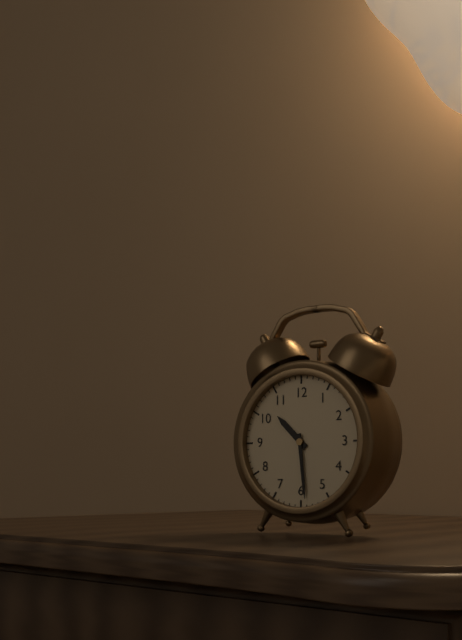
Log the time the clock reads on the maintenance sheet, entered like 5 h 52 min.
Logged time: 10 h 29 min
